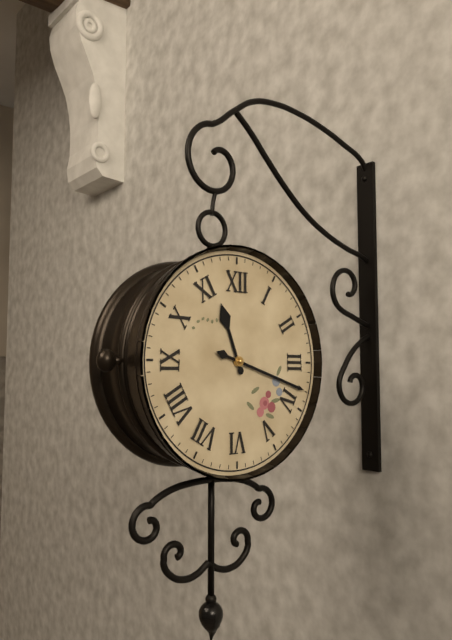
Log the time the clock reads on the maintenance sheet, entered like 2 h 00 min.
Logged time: 11 h 18 min
